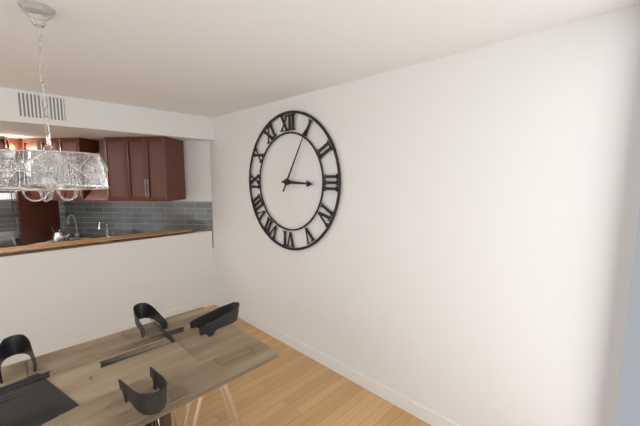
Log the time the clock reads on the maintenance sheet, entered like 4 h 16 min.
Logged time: 3 h 05 min
